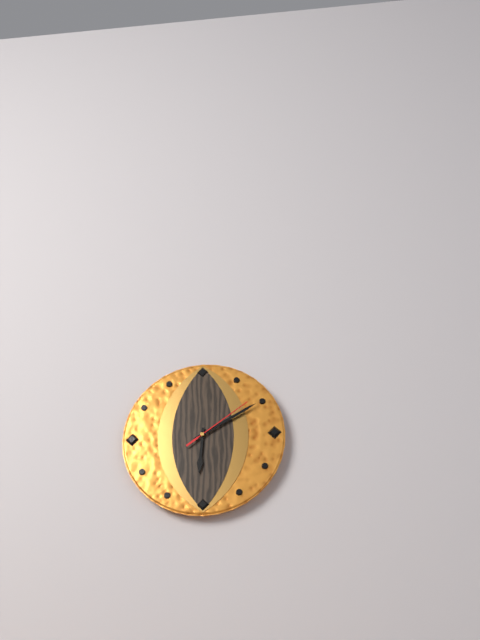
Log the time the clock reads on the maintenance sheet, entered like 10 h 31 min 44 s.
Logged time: 6 h 10 min 09 s
